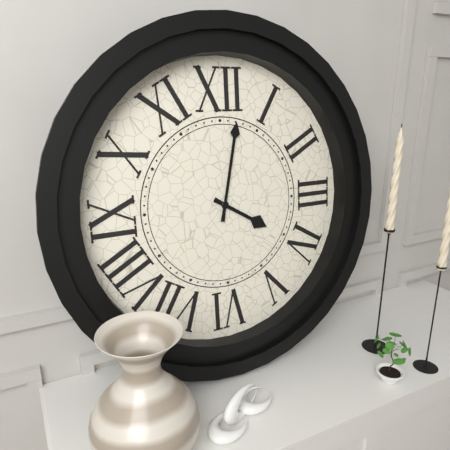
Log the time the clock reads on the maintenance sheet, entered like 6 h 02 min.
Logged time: 4 h 02 min
